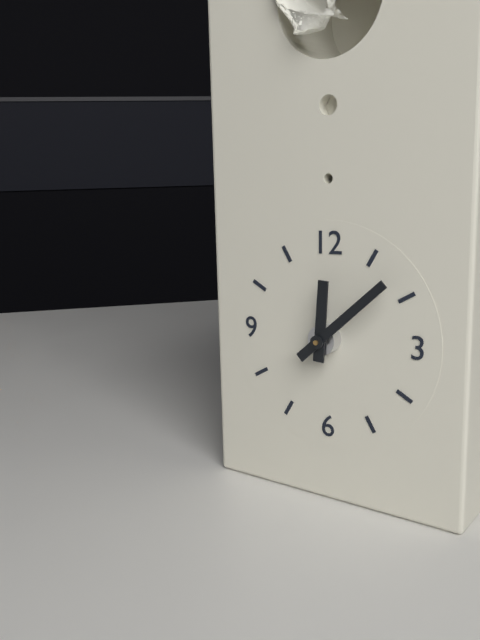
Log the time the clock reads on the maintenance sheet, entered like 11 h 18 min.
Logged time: 12 h 08 min
